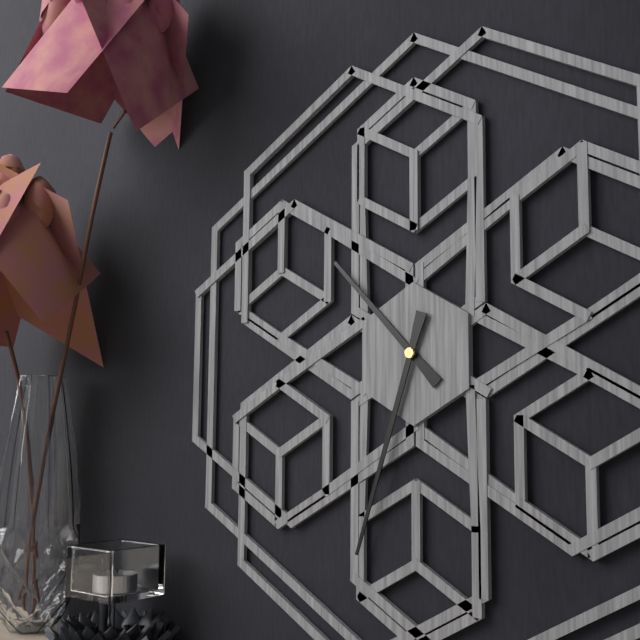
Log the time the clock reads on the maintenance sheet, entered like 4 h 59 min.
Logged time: 10 h 33 min
